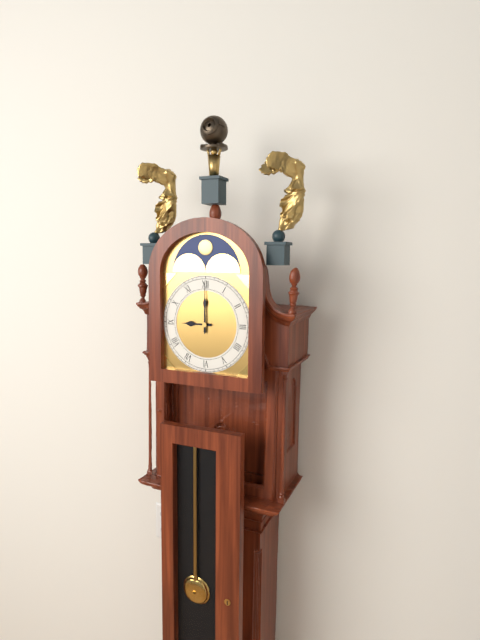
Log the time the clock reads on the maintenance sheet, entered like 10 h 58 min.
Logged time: 9 h 00 min
